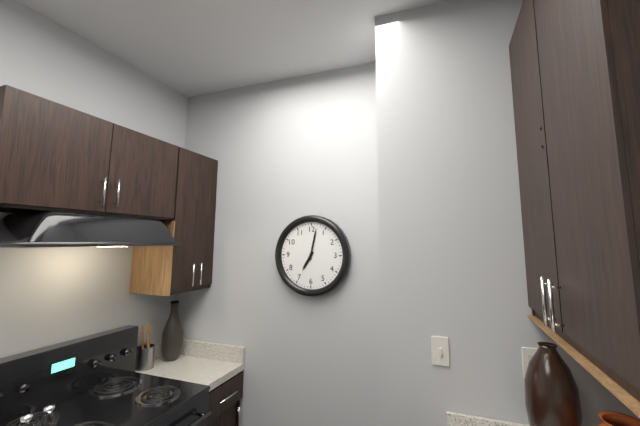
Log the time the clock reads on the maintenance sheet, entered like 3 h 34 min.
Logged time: 7 h 02 min
